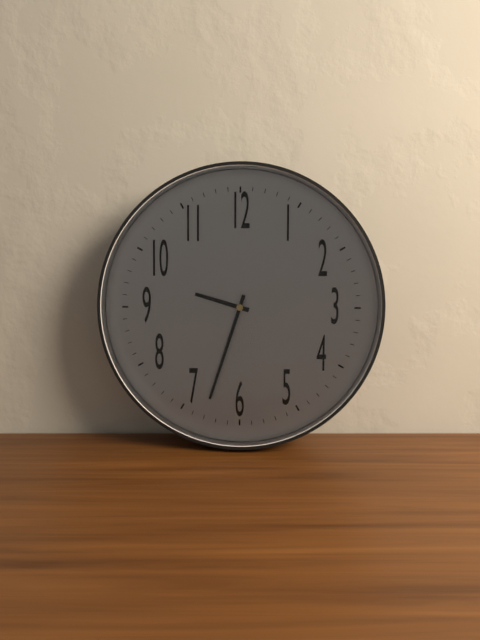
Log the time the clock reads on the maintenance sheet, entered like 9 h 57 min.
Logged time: 9 h 33 min
